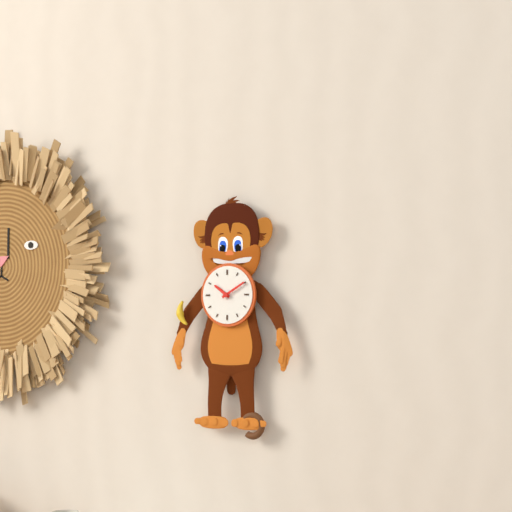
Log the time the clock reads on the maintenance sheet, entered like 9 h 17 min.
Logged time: 10 h 10 min
